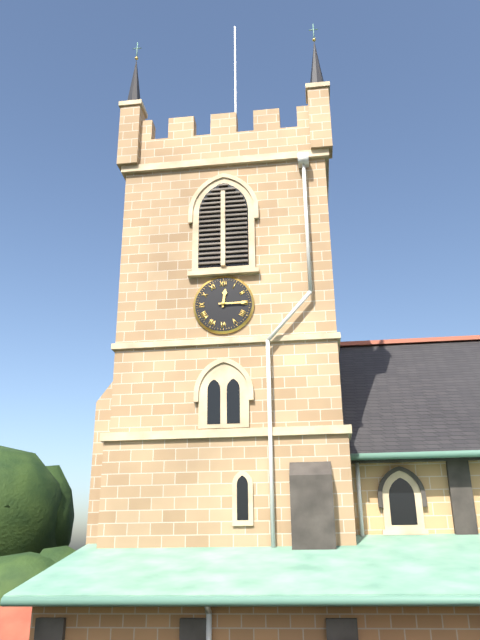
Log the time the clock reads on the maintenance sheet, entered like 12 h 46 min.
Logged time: 12 h 15 min
